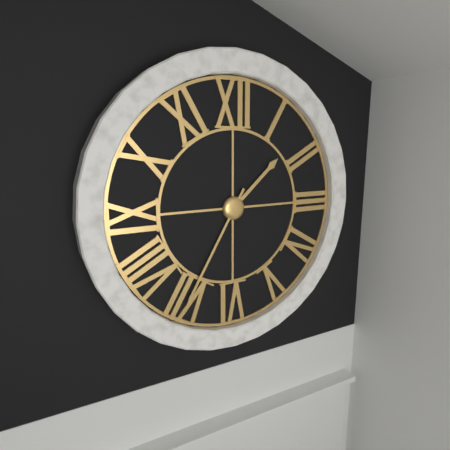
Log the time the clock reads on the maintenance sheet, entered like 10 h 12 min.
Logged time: 1 h 35 min
